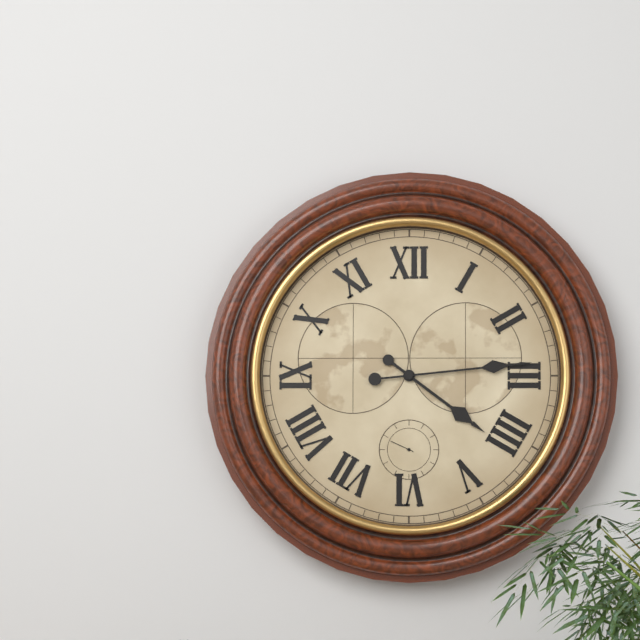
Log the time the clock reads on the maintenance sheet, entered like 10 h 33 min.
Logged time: 4 h 14 min
